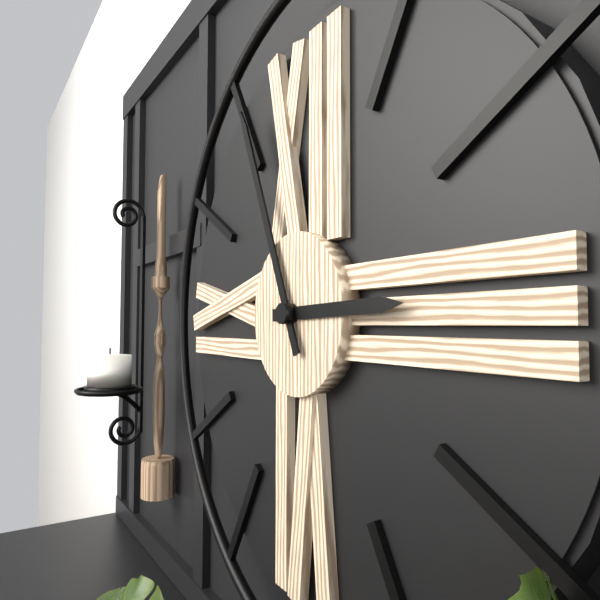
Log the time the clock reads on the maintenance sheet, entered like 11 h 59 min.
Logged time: 2 h 56 min
